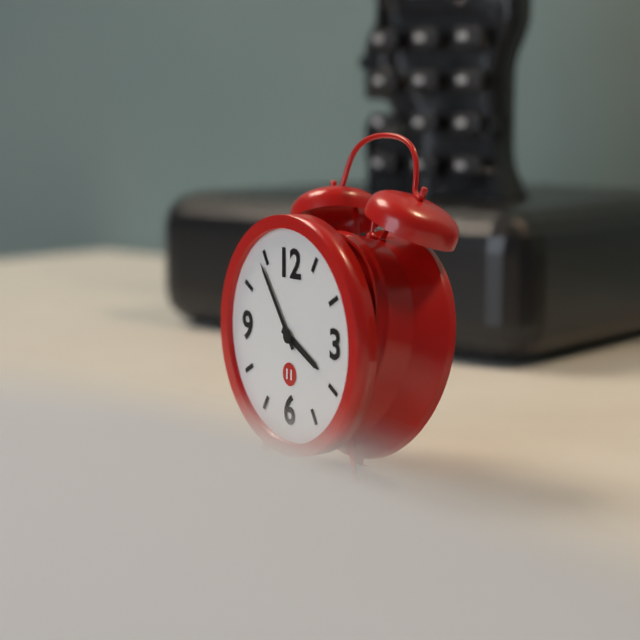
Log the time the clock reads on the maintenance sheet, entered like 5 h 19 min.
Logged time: 3 h 54 min
